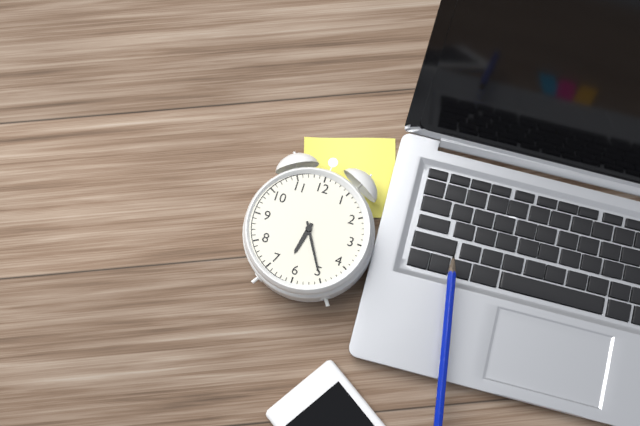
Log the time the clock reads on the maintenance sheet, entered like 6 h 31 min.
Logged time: 6 h 25 min
